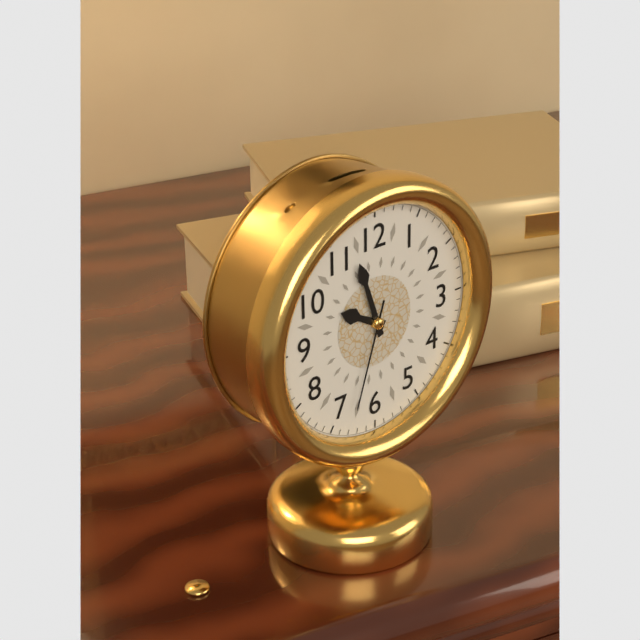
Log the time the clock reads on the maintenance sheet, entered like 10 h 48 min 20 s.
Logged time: 9 h 57 min 33 s
